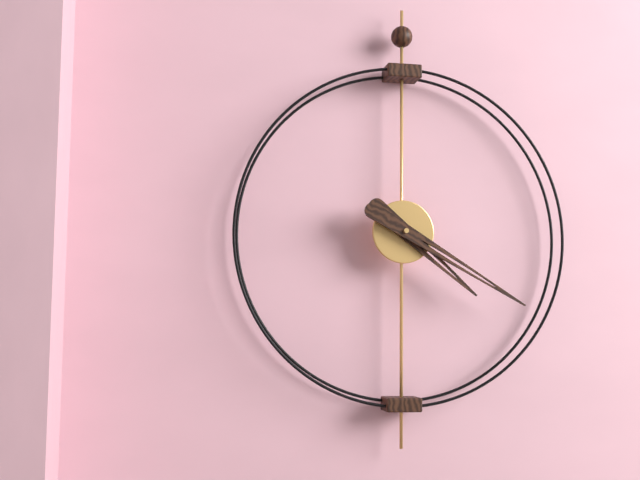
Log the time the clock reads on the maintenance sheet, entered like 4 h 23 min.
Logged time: 4 h 20 min
